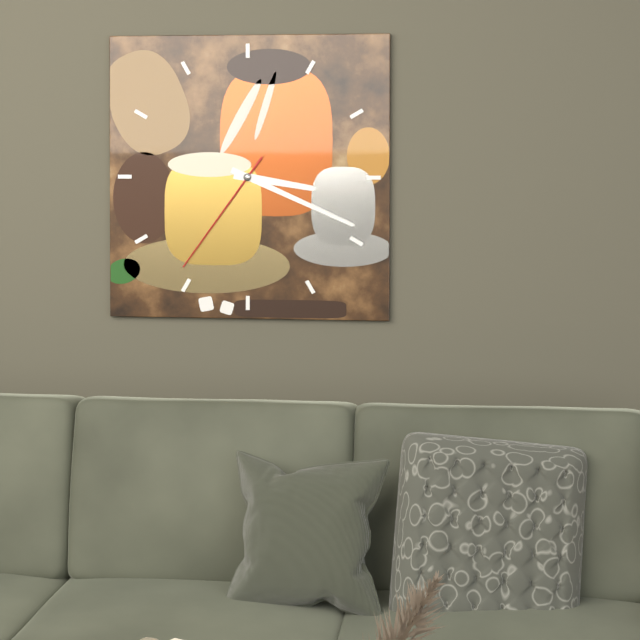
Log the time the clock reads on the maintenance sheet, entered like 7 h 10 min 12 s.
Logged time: 3 h 19 min 36 s
